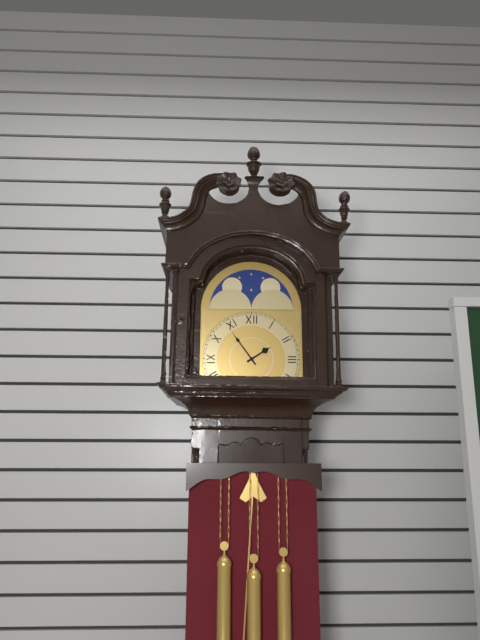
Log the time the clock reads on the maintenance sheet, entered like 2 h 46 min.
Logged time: 1 h 54 min
